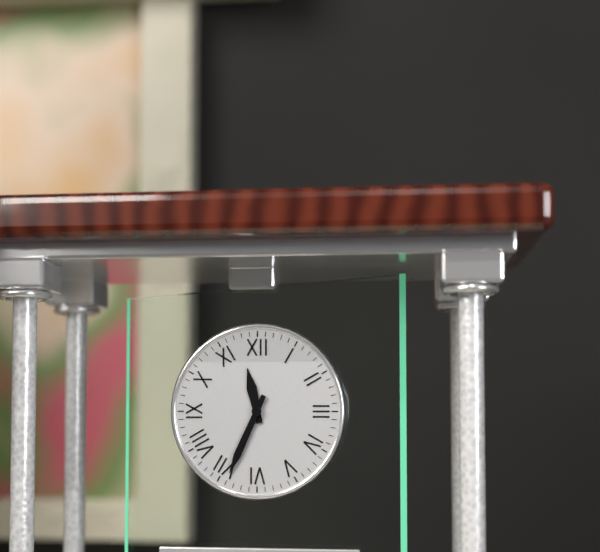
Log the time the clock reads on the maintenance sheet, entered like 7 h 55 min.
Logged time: 11 h 34 min
